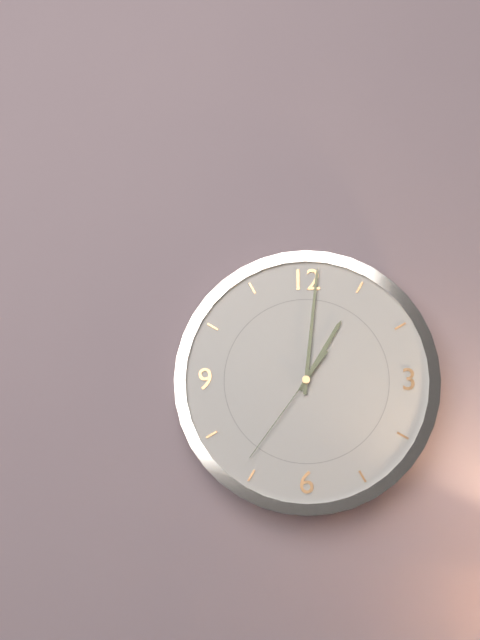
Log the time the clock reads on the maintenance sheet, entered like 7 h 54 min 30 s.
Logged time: 1 h 01 min 36 s
